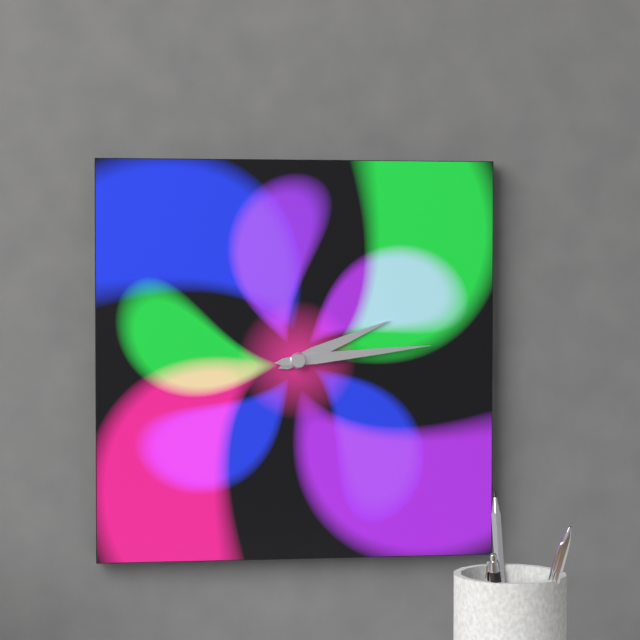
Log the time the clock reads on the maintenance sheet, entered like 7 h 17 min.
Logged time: 2 h 14 min
